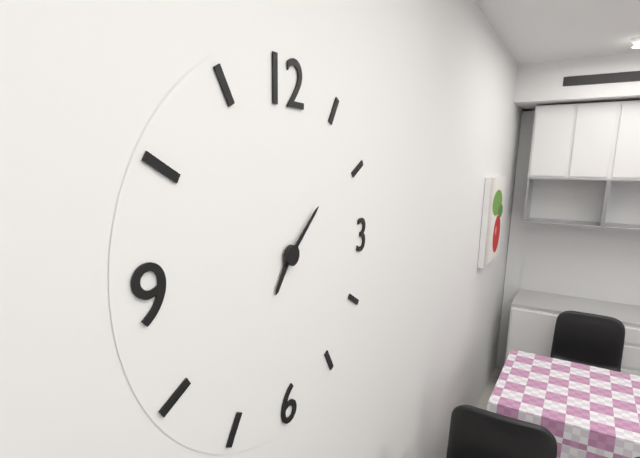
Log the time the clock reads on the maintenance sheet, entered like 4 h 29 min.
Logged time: 7 h 08 min
